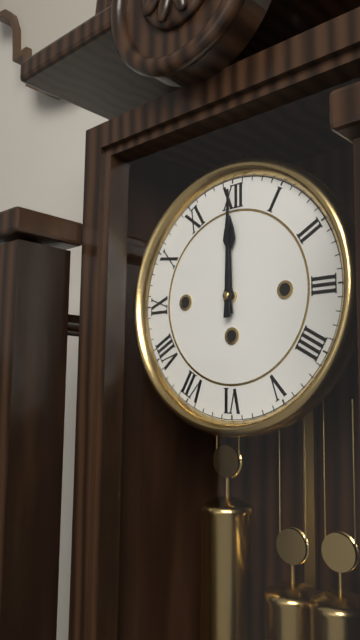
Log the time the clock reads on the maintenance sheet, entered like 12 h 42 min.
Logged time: 12 h 00 min
